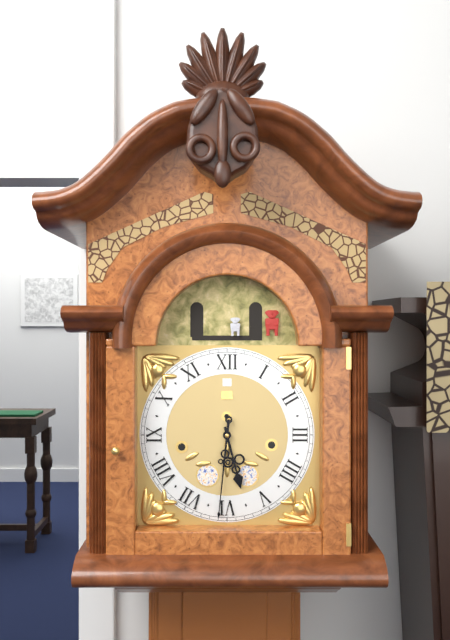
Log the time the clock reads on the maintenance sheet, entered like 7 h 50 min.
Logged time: 5 h 31 min
